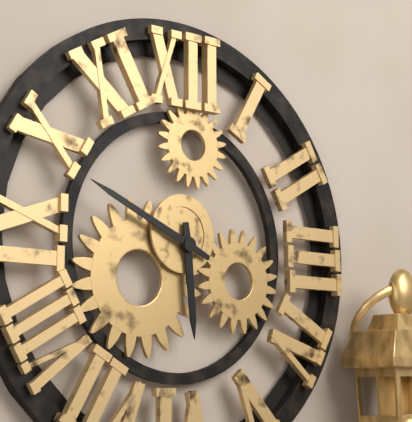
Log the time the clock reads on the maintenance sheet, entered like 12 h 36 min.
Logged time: 5 h 49 min
